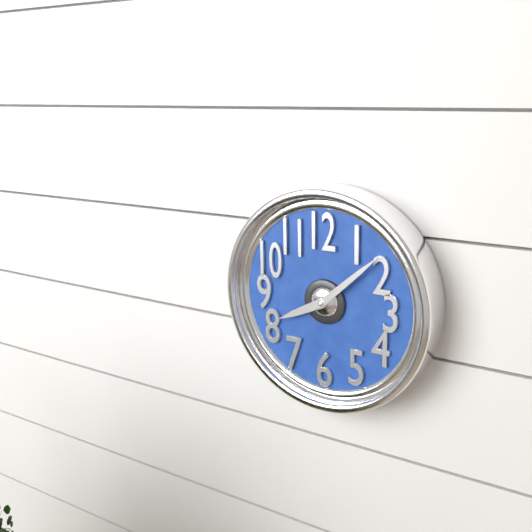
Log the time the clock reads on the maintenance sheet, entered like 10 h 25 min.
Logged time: 8 h 08 min
